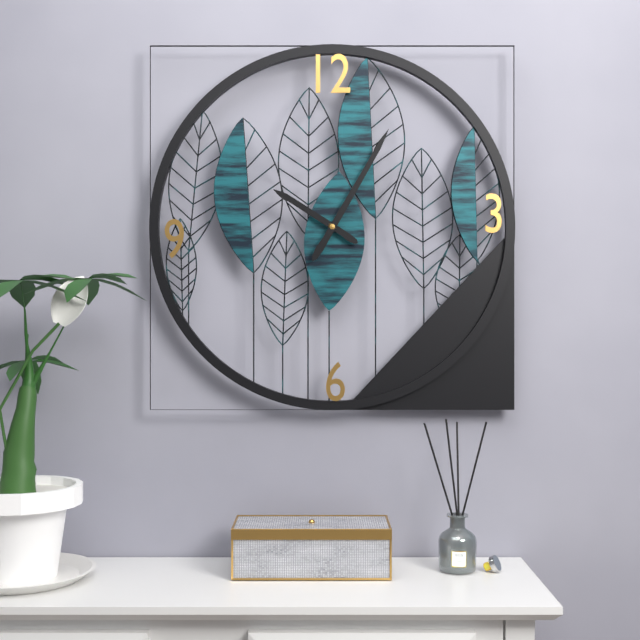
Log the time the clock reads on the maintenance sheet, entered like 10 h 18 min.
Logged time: 10 h 05 min
